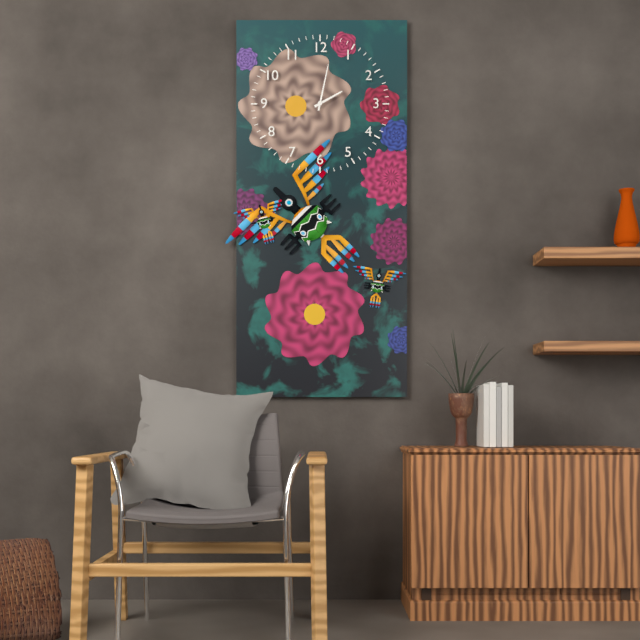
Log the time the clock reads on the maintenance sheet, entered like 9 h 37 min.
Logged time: 2 h 02 min
